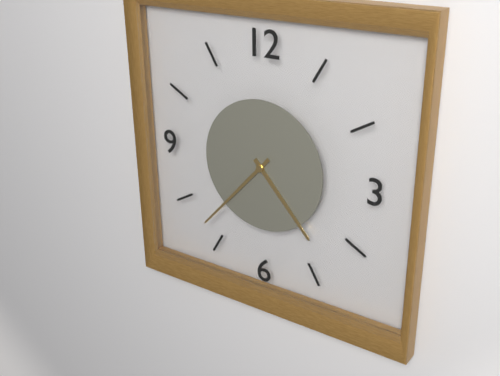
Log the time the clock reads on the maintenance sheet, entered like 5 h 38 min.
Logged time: 4 h 37 min
